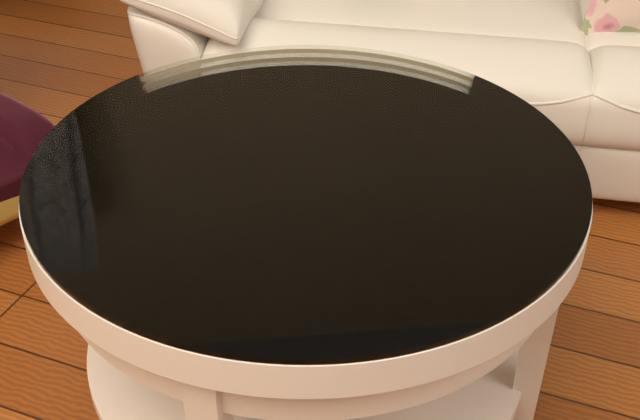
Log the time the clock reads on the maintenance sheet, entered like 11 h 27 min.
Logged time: 11 h 19 min
